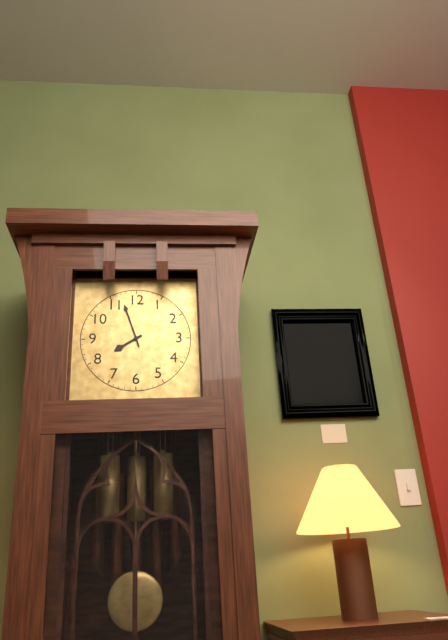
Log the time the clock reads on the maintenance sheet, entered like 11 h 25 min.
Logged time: 7 h 57 min
